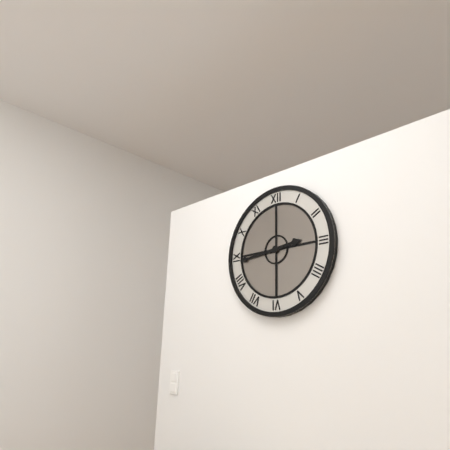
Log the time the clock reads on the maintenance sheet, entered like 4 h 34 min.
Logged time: 2 h 44 min
